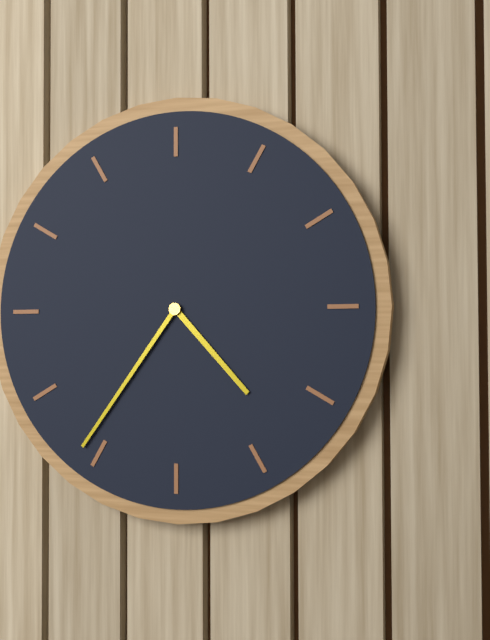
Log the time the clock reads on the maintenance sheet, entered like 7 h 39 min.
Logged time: 4 h 36 min
